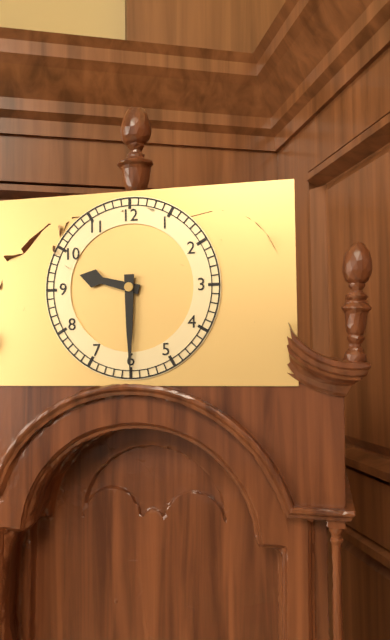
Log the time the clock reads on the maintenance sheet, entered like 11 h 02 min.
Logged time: 9 h 30 min
